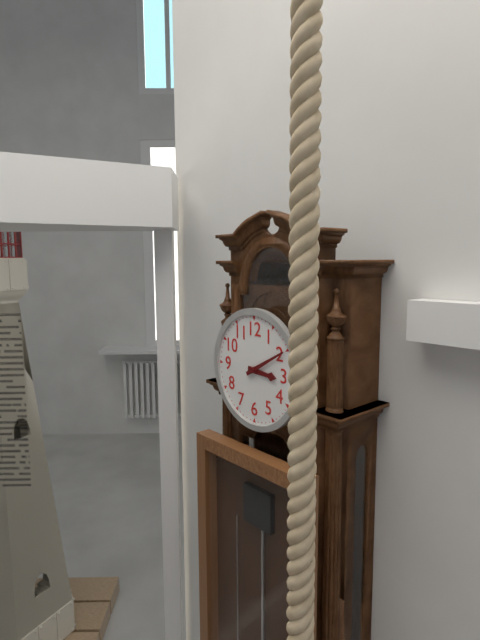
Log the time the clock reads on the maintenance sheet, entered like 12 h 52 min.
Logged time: 3 h 10 min
